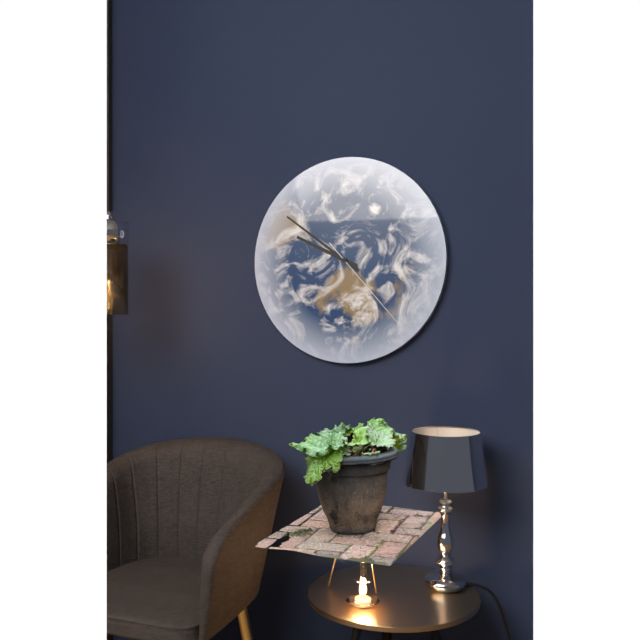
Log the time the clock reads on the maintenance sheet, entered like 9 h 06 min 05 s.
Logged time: 9 h 51 min 23 s
